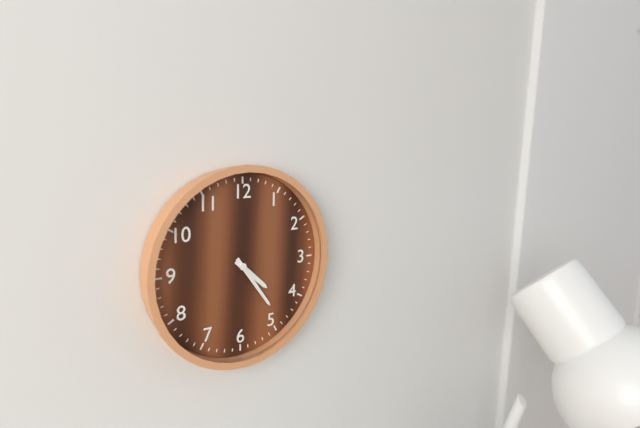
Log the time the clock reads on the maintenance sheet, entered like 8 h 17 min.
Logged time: 4 h 24 min
